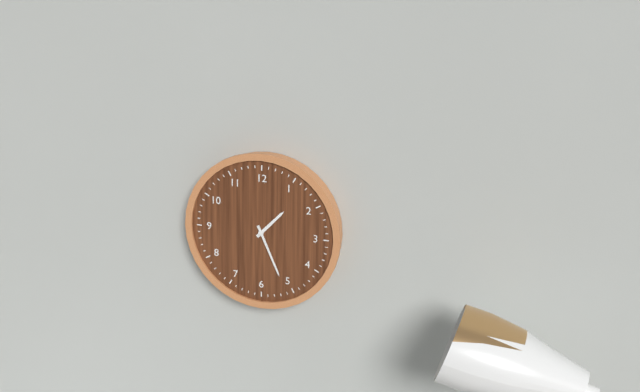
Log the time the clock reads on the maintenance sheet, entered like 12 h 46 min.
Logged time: 1 h 26 min
